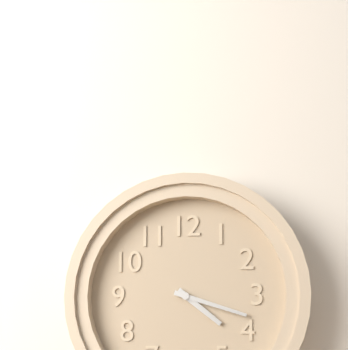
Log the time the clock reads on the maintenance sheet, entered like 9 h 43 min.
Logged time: 4 h 18 min
